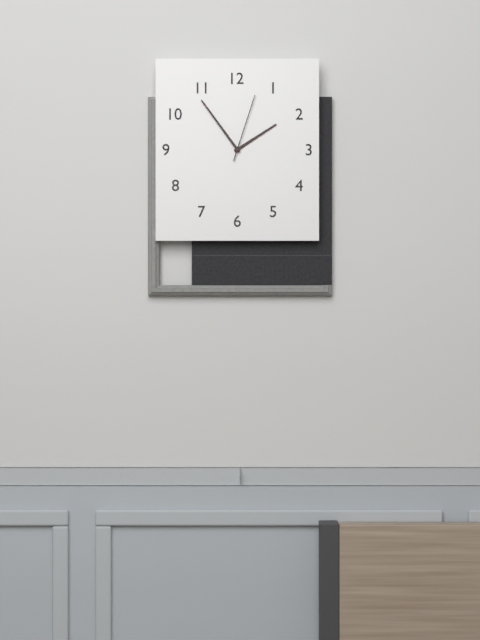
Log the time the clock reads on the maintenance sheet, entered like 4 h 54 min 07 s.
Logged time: 1 h 54 min 03 s
